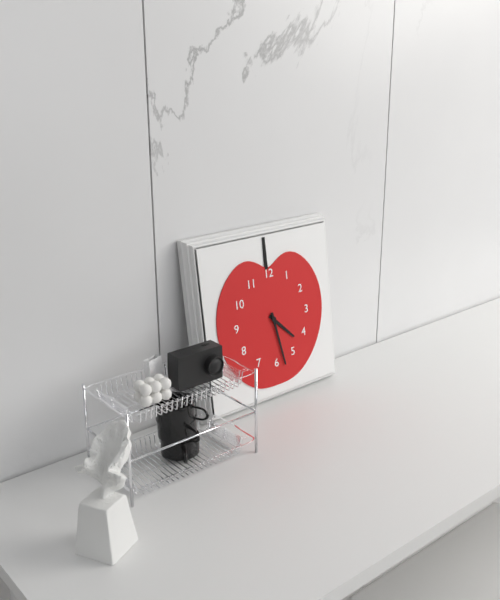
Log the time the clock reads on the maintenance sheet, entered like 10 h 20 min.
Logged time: 4 h 28 min
